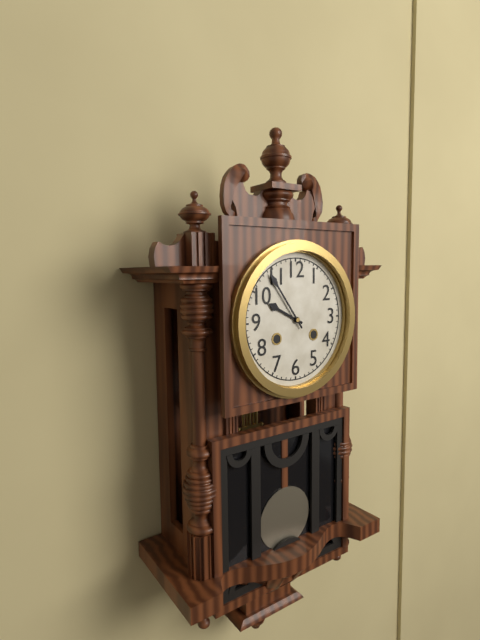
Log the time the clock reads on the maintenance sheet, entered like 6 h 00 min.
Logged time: 9 h 54 min
